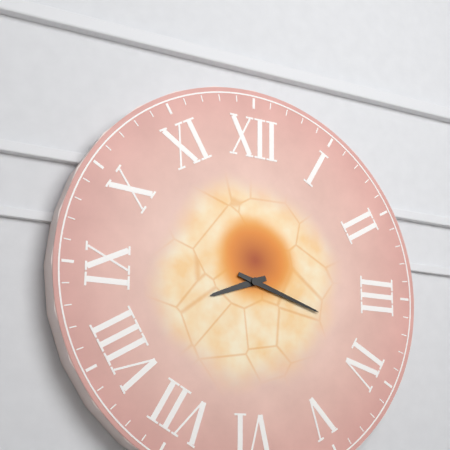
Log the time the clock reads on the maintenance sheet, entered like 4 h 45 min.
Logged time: 8 h 18 min
